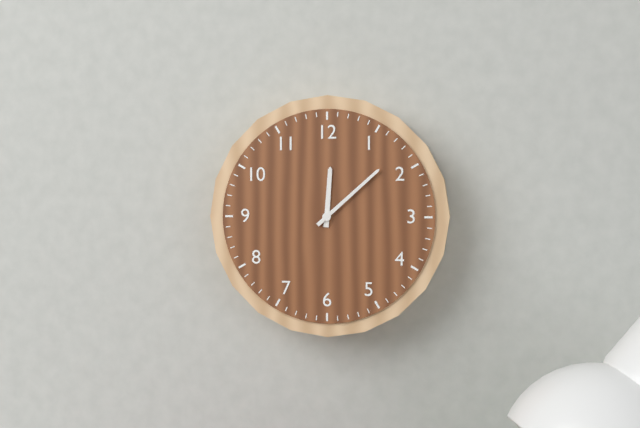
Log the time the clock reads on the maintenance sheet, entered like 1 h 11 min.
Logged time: 12 h 08 min
